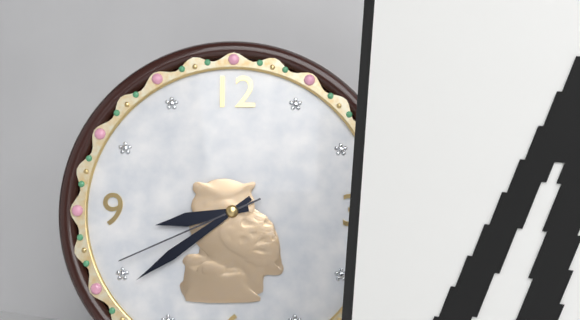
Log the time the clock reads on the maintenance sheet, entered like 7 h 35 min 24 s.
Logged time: 8 h 39 min 41 s
